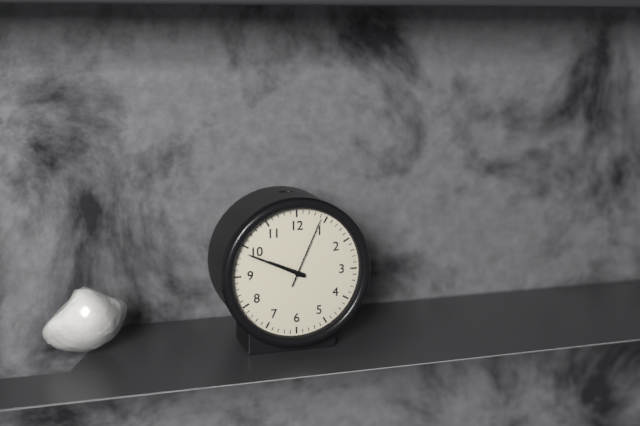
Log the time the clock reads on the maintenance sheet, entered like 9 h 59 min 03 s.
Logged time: 9 h 49 min 04 s
